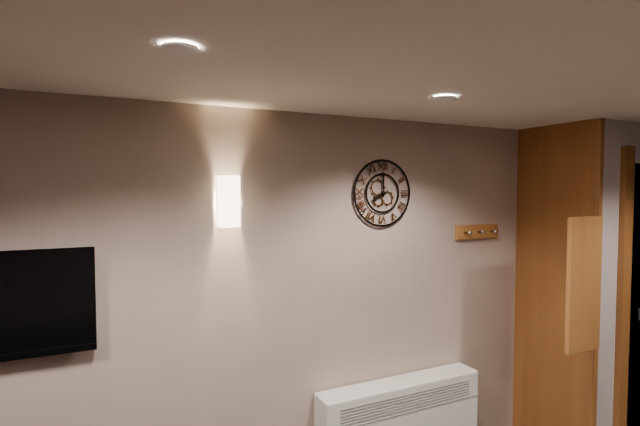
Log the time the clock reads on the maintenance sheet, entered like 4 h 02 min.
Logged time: 8 h 00 min
